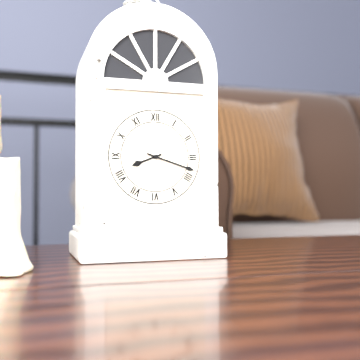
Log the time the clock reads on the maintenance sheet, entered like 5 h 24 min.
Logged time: 8 h 18 min
